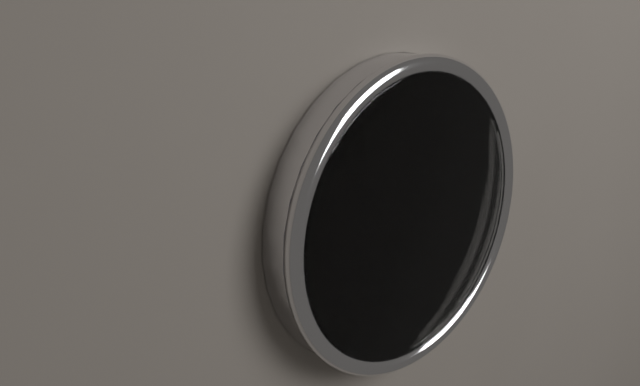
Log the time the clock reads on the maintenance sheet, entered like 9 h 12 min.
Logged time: 2 h 33 min
